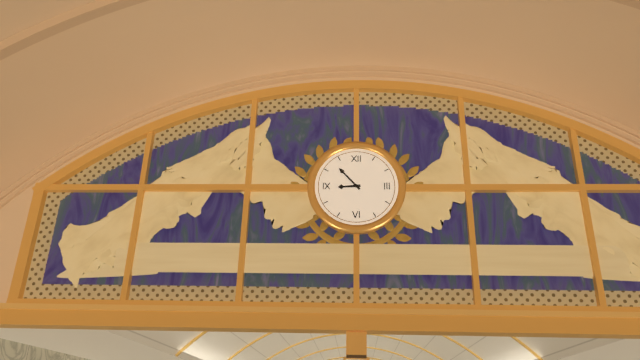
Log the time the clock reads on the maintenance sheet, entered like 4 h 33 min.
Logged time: 8 h 53 min
